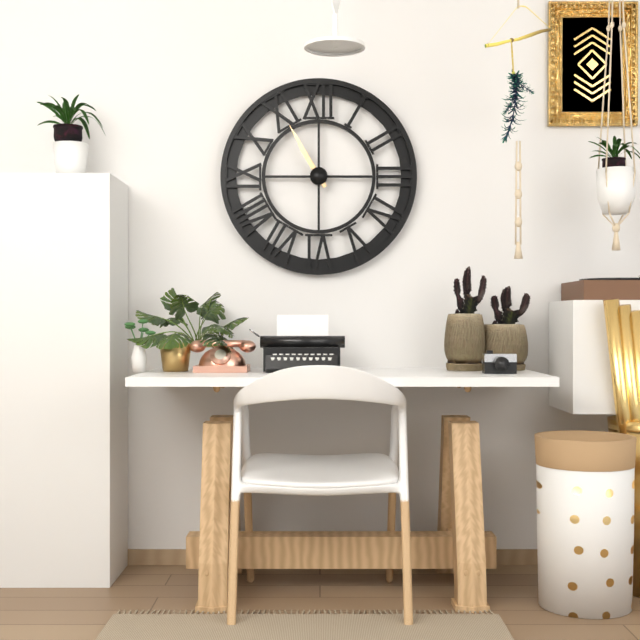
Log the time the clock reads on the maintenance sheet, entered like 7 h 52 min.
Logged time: 10 h 55 min
